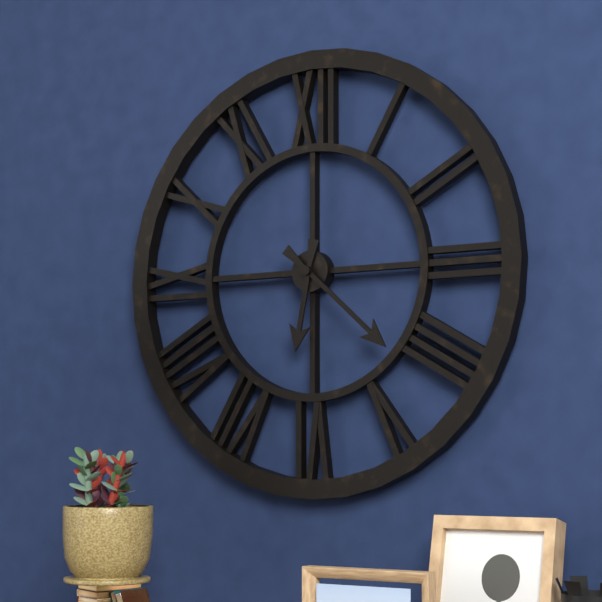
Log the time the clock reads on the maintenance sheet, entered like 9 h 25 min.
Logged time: 6 h 22 min
